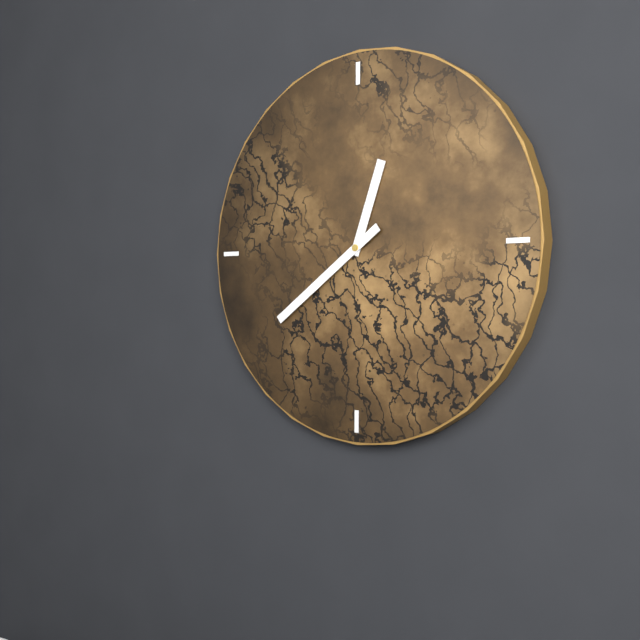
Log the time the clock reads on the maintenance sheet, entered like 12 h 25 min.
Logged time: 12 h 39 min
